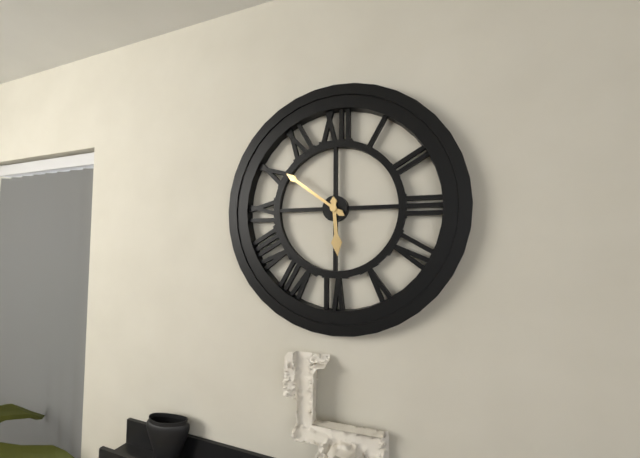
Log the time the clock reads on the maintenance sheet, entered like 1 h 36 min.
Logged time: 5 h 51 min
